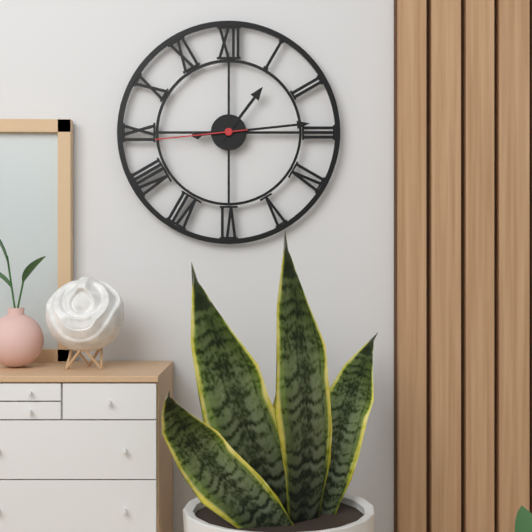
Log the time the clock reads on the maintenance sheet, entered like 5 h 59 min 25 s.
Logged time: 1 h 14 min 44 s
